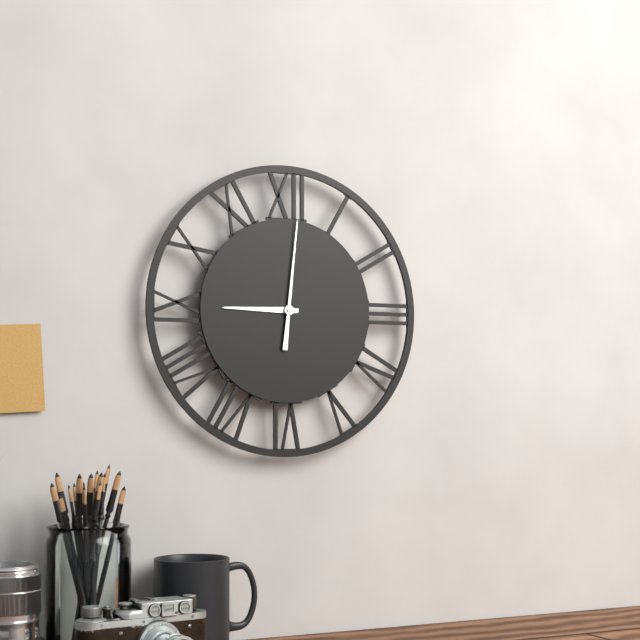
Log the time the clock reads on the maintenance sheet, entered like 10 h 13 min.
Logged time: 9 h 01 min
